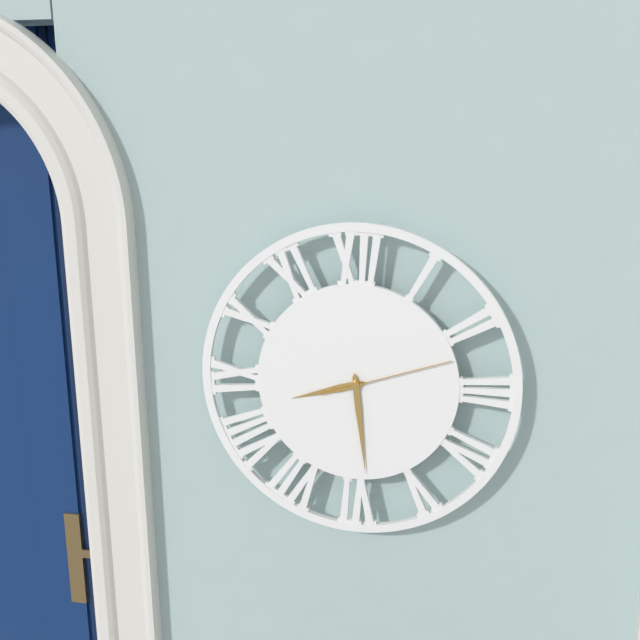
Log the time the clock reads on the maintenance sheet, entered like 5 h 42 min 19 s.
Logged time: 8 h 29 min 12 s
